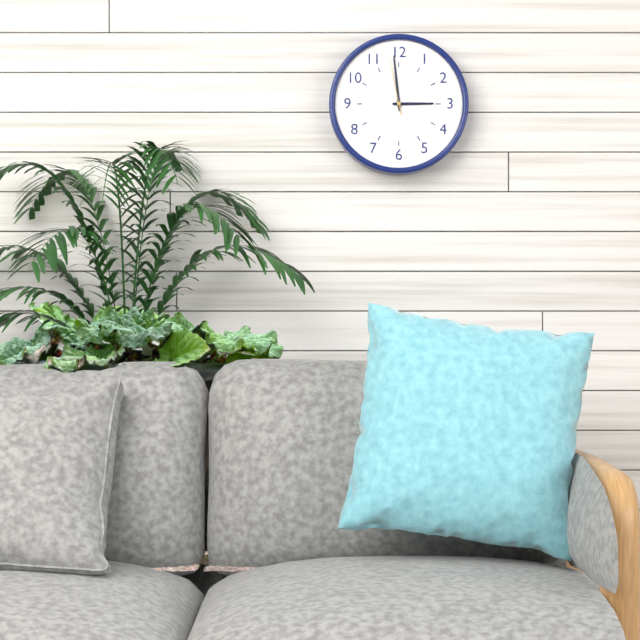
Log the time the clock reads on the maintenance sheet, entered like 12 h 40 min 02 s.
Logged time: 2 h 59 min 58 s
